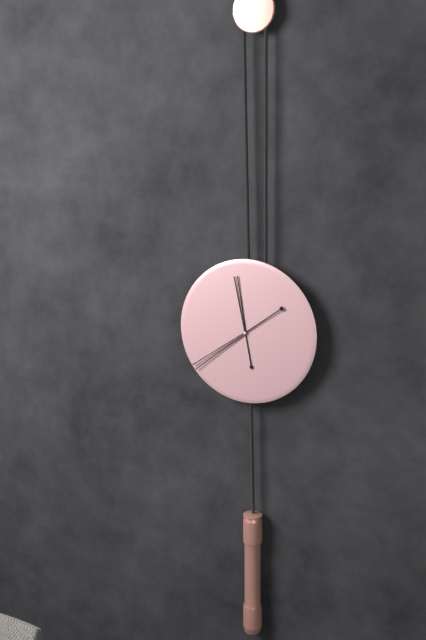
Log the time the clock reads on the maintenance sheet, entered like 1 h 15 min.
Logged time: 11 h 39 min
